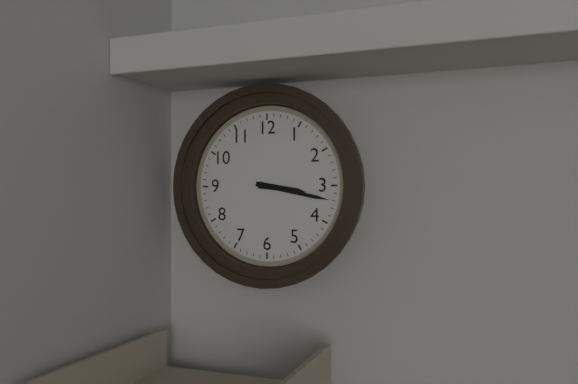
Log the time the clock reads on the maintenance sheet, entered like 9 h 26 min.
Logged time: 3 h 17 min
